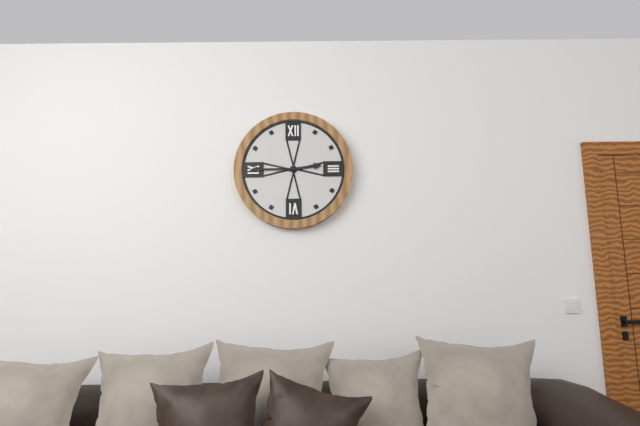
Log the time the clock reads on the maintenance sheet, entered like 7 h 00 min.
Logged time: 2 h 45 min
